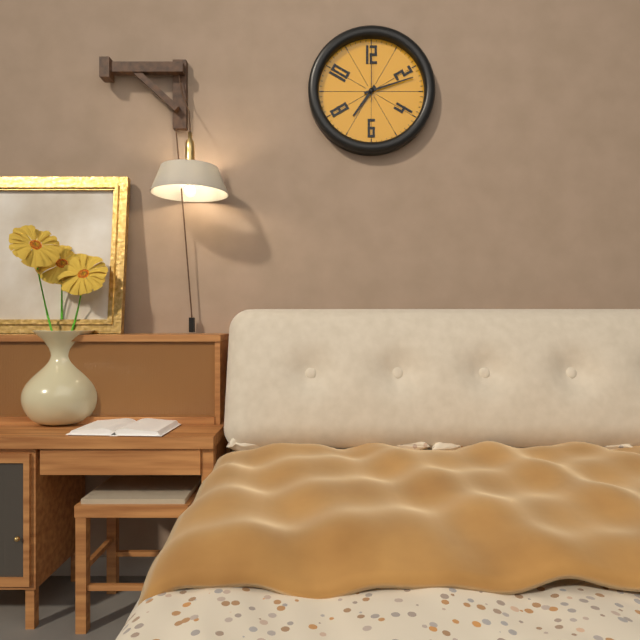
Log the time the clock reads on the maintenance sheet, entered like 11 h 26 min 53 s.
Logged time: 7 h 12 min 00 s
